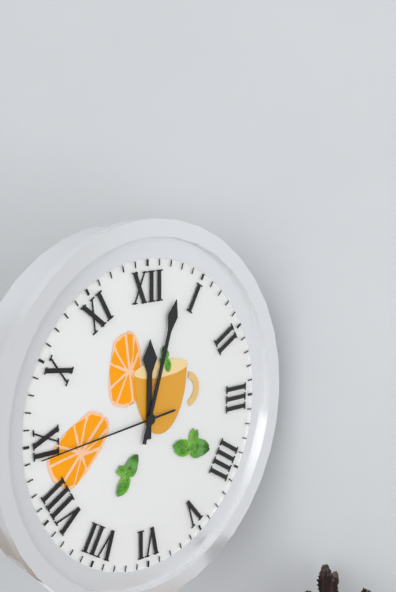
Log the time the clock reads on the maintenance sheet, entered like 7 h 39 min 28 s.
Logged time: 12 h 03 min 44 s
